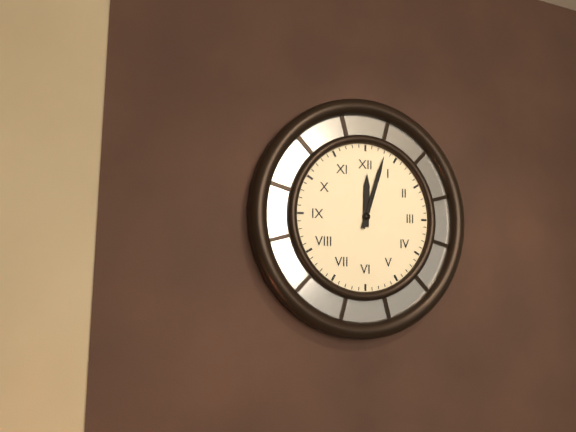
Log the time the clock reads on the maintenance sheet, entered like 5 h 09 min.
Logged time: 12 h 03 min
